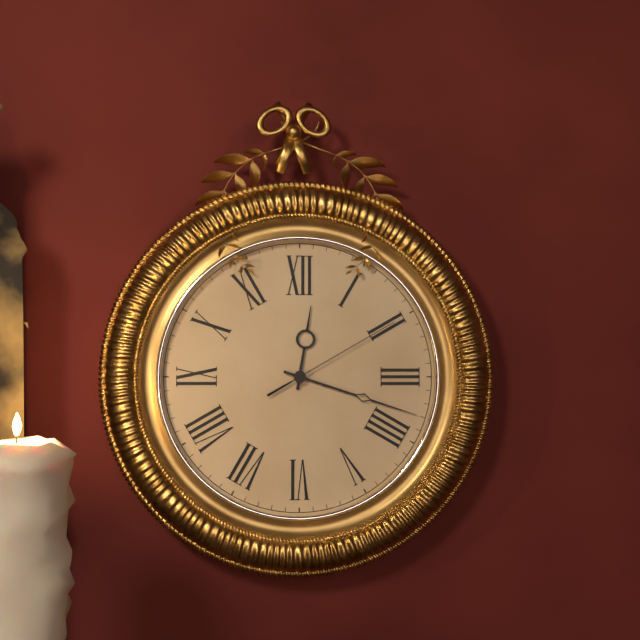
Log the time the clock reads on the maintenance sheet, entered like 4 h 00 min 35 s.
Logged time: 12 h 18 min 10 s
